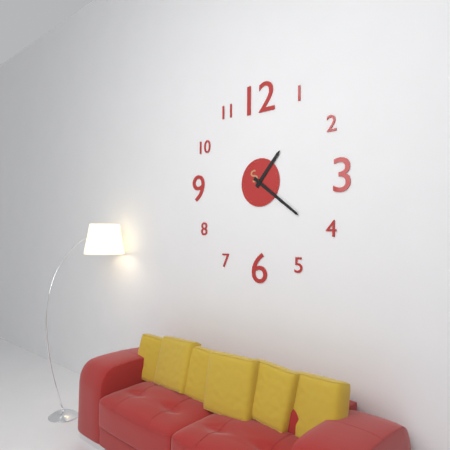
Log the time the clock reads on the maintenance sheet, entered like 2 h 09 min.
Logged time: 1 h 21 min
